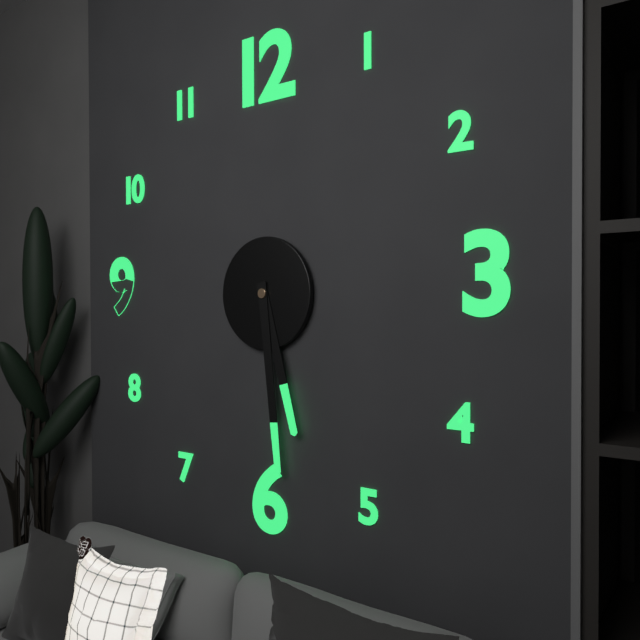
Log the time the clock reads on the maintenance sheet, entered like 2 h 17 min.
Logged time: 5 h 29 min
